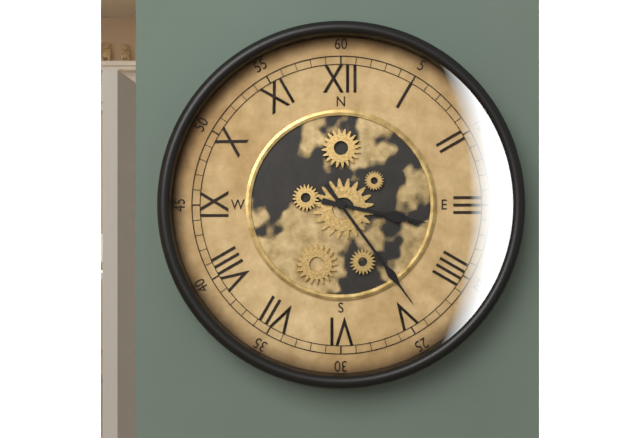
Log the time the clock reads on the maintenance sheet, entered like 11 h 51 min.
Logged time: 3 h 24 min
